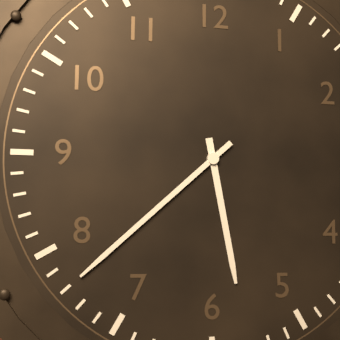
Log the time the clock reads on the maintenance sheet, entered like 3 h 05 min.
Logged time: 5 h 38 min
